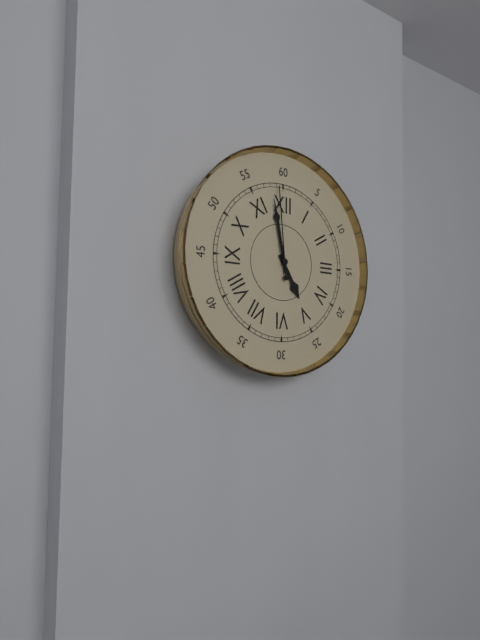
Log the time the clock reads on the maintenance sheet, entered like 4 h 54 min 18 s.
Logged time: 4 h 58 min 59 s
